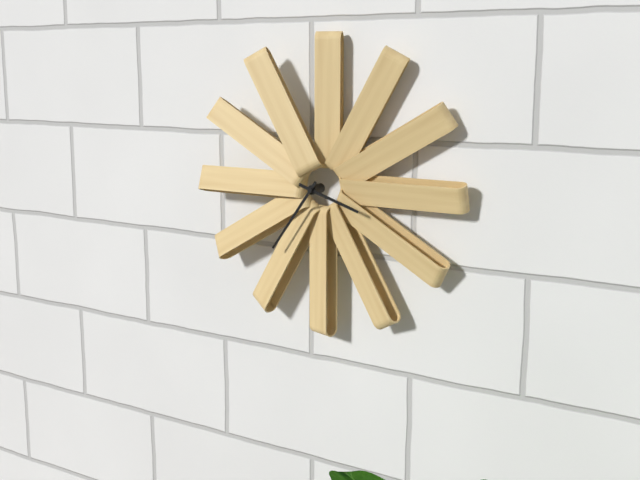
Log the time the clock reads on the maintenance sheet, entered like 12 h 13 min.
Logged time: 3 h 36 min
